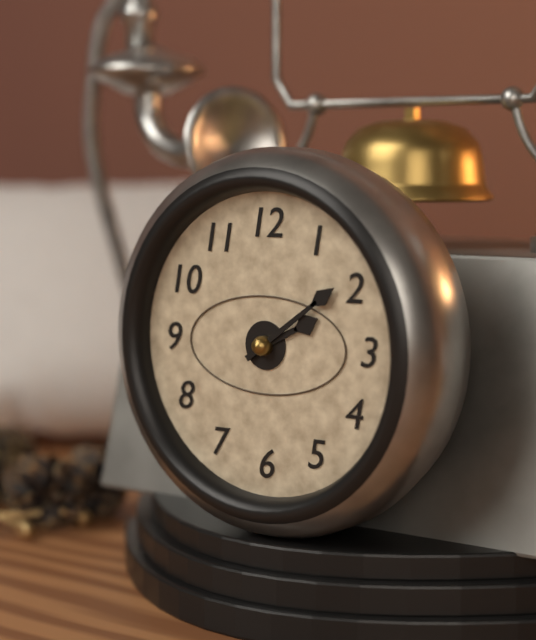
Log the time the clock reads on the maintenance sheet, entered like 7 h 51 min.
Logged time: 2 h 09 min
